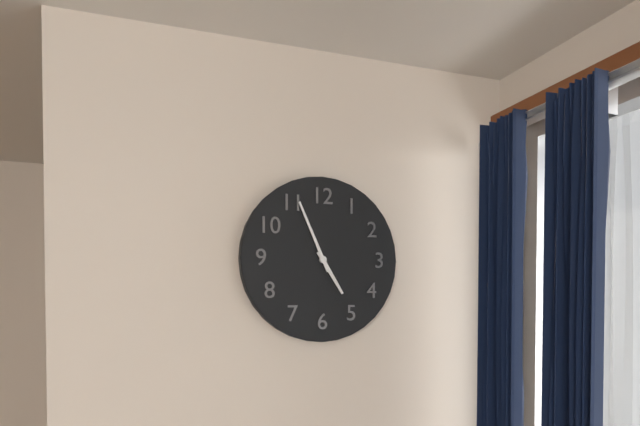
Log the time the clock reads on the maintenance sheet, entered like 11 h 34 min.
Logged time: 4 h 56 min
